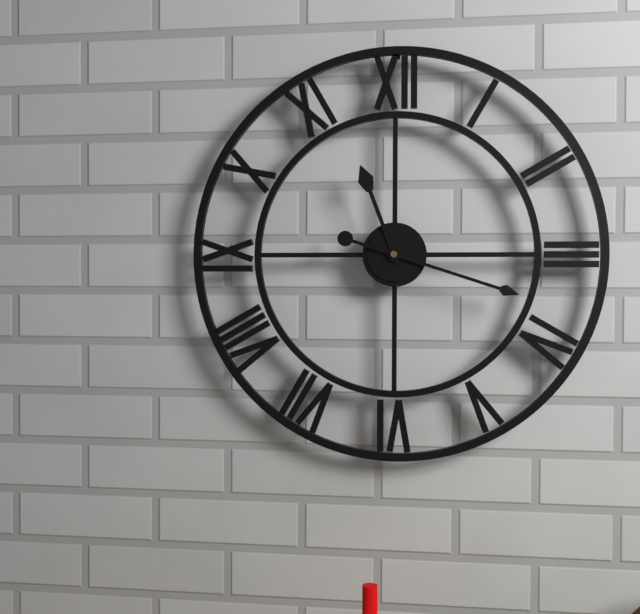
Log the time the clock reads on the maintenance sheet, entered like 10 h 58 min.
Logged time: 11 h 18 min
